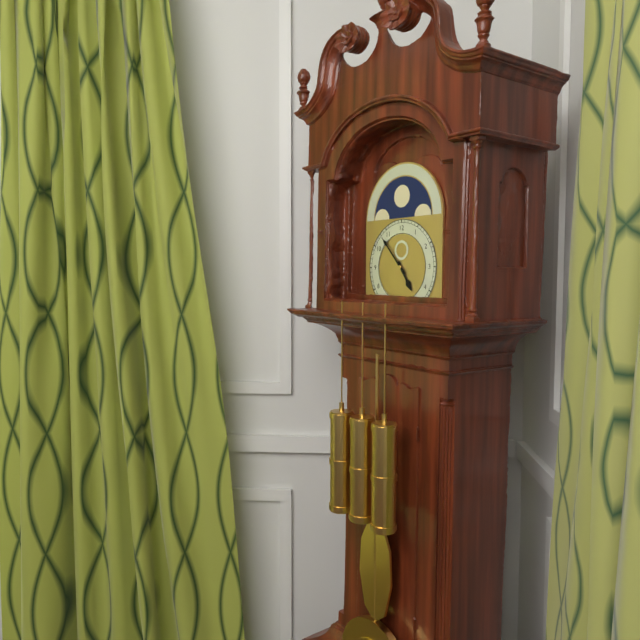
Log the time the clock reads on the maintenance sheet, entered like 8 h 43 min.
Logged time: 4 h 53 min
